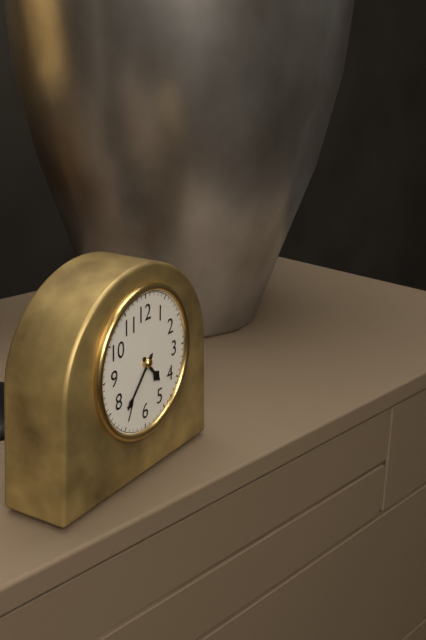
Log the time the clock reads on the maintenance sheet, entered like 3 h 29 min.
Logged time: 4 h 37 min
